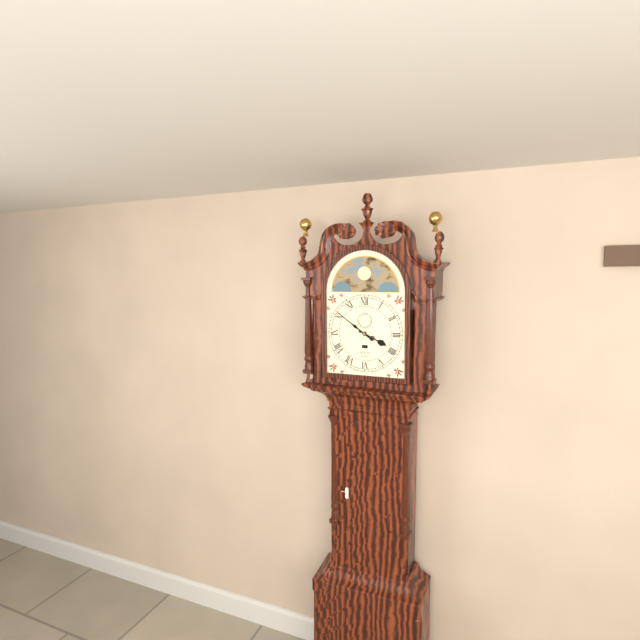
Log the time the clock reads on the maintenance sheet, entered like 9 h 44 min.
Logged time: 3 h 51 min
